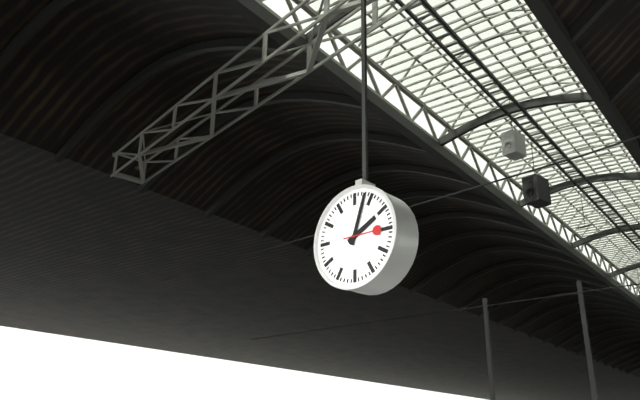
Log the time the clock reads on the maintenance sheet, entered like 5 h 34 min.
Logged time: 2 h 03 min
